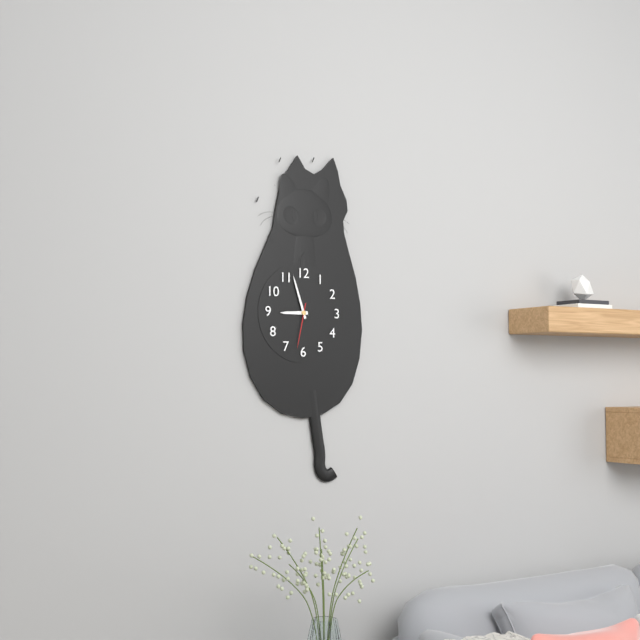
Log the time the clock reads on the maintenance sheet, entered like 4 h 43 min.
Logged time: 8 h 57 min
